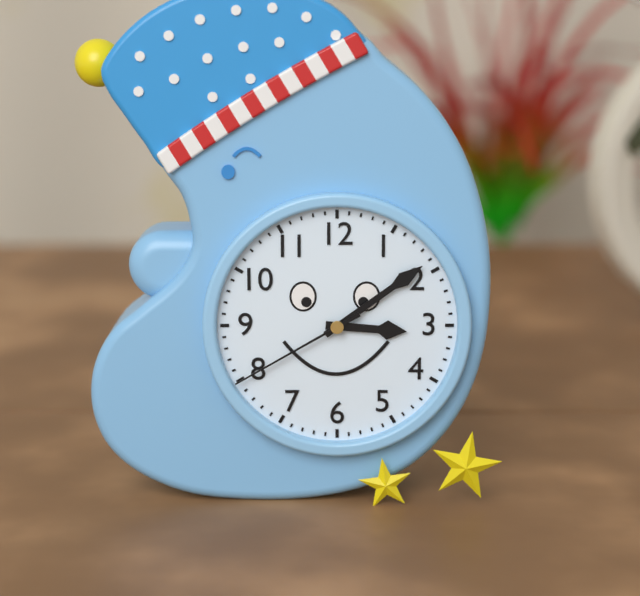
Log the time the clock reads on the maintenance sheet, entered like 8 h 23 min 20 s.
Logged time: 3 h 09 min 40 s
